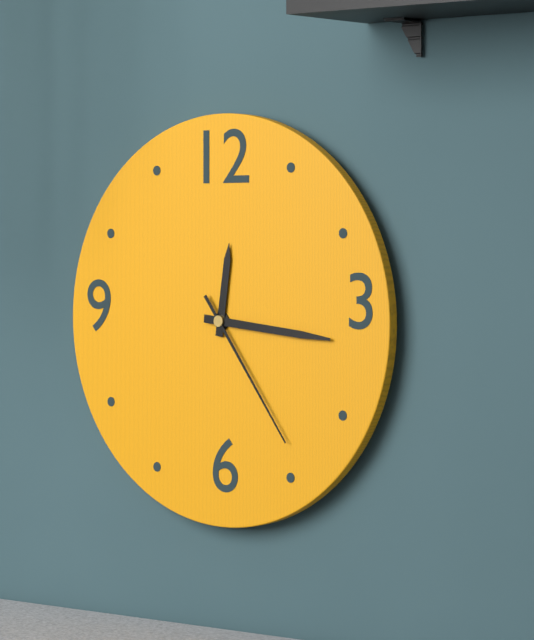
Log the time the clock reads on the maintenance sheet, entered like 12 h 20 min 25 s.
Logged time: 12 h 16 min 24 s
